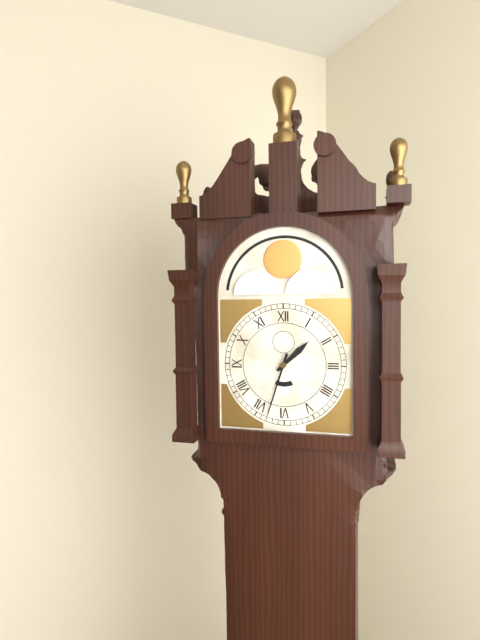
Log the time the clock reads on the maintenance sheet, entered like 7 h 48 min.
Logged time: 1 h 33 min
